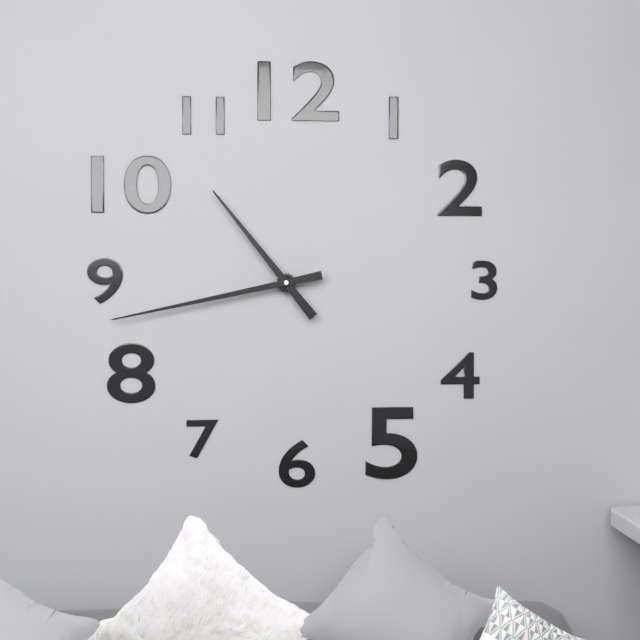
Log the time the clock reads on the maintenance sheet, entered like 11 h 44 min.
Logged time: 10 h 43 min
